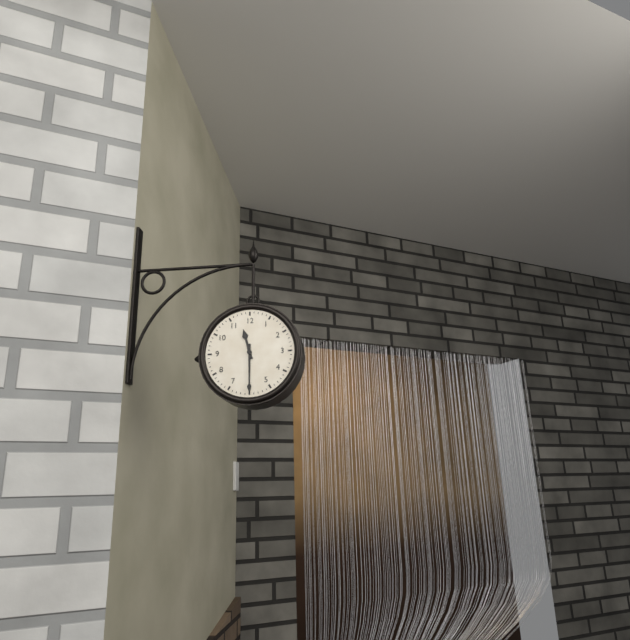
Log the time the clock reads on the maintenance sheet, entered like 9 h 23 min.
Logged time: 11 h 30 min
